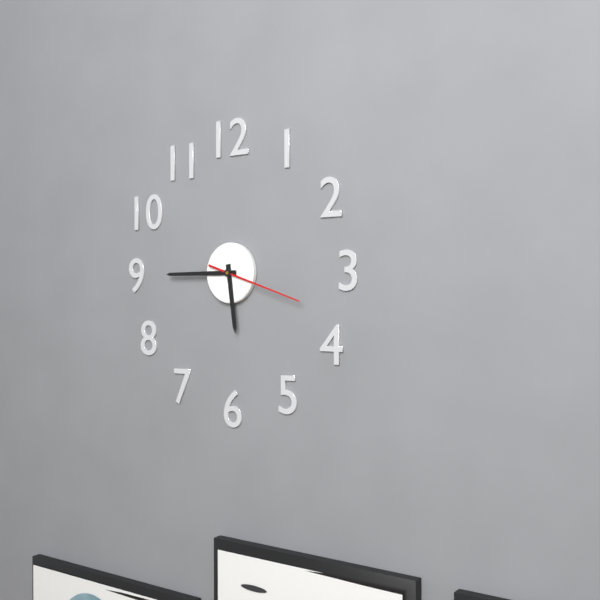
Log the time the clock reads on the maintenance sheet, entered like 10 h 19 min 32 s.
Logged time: 5 h 45 min 18 s
